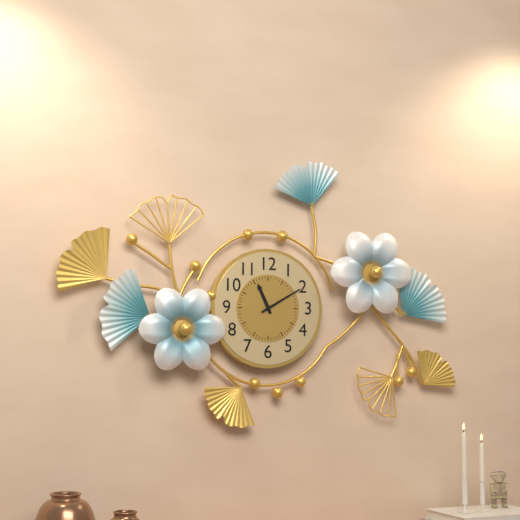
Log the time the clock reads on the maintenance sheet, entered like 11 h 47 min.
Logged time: 11 h 10 min
